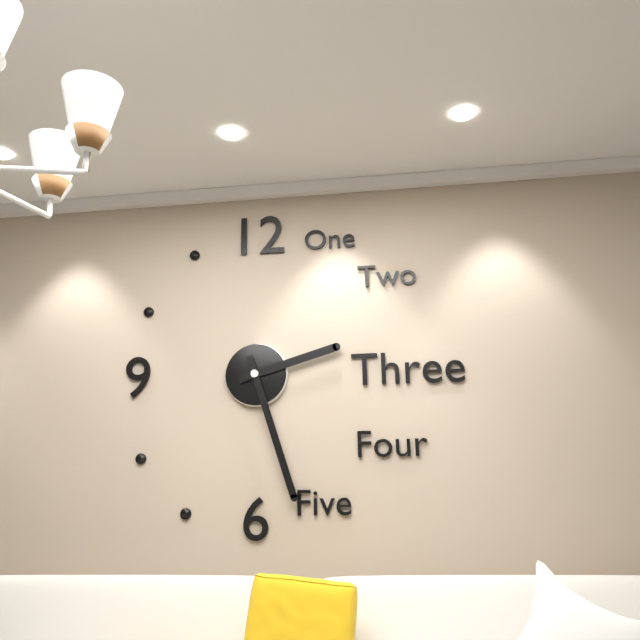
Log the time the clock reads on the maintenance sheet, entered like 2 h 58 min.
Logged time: 2 h 27 min
